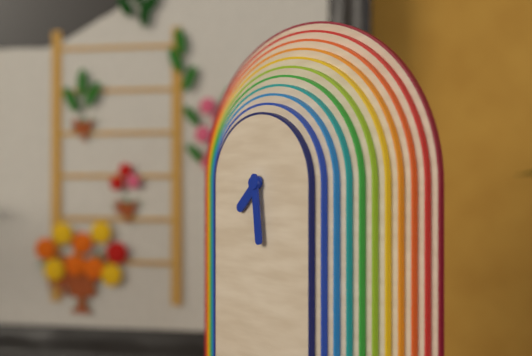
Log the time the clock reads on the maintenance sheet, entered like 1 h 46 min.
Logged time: 7 h 29 min
